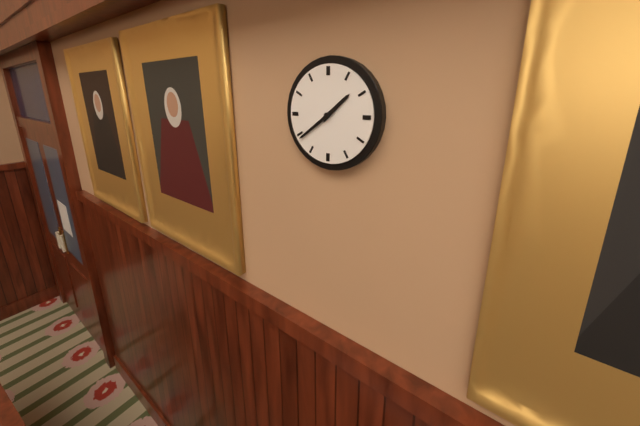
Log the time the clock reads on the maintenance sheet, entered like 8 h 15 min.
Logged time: 1 h 39 min
